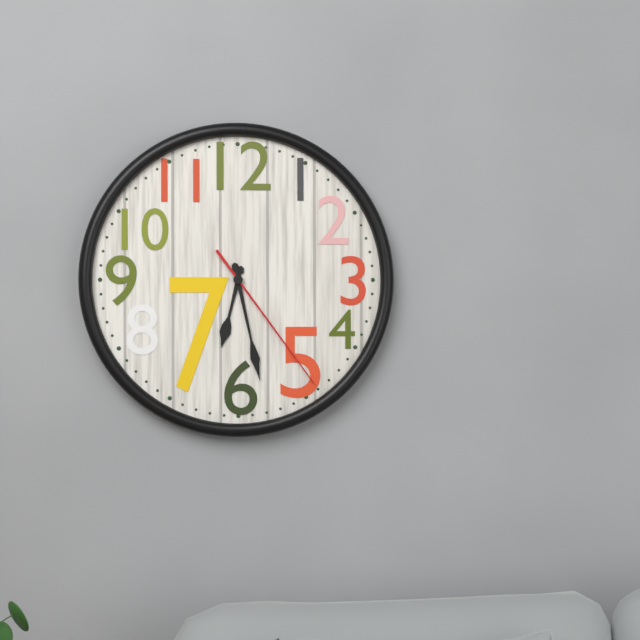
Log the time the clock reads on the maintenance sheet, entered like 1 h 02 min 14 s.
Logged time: 6 h 28 min 24 s
